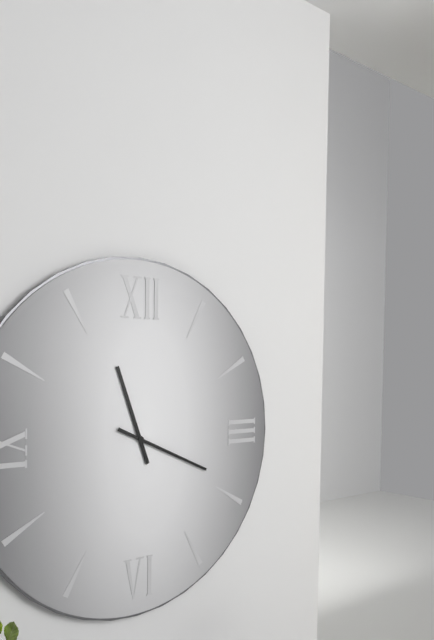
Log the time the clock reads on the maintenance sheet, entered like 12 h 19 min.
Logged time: 11 h 19 min
